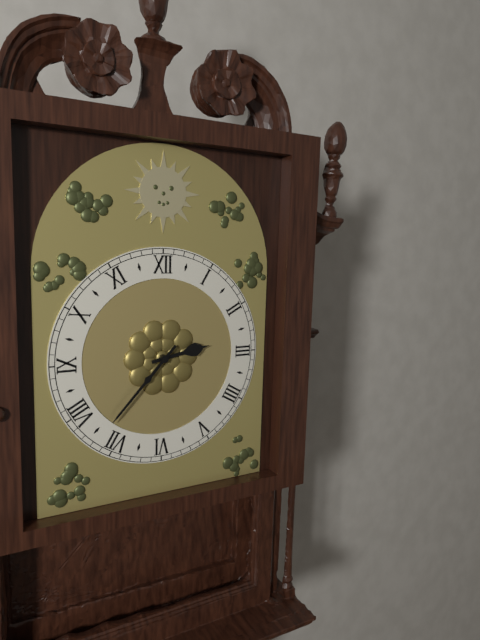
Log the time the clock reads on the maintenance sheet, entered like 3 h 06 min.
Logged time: 2 h 37 min
